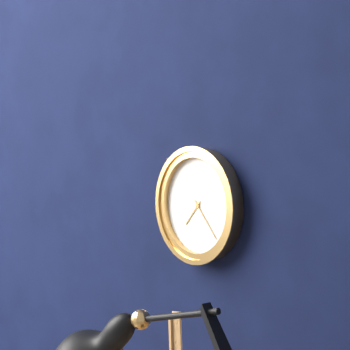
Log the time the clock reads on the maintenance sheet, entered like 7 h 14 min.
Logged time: 7 h 23 min
